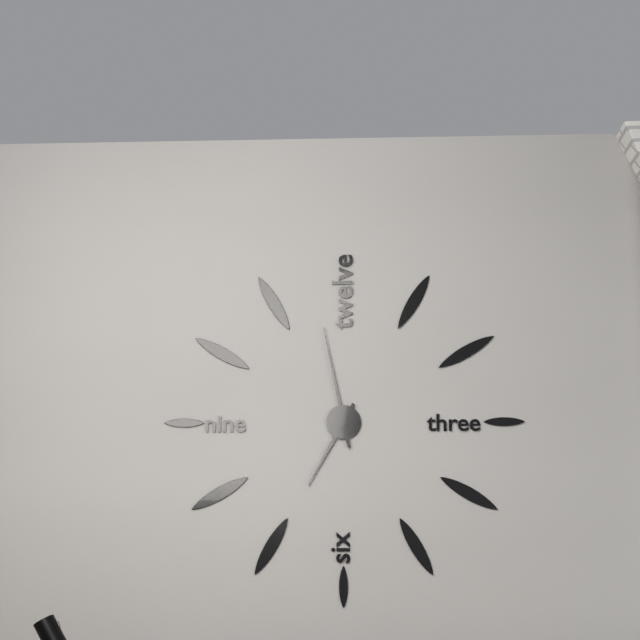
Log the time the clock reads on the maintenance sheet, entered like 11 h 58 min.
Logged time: 6 h 58 min
